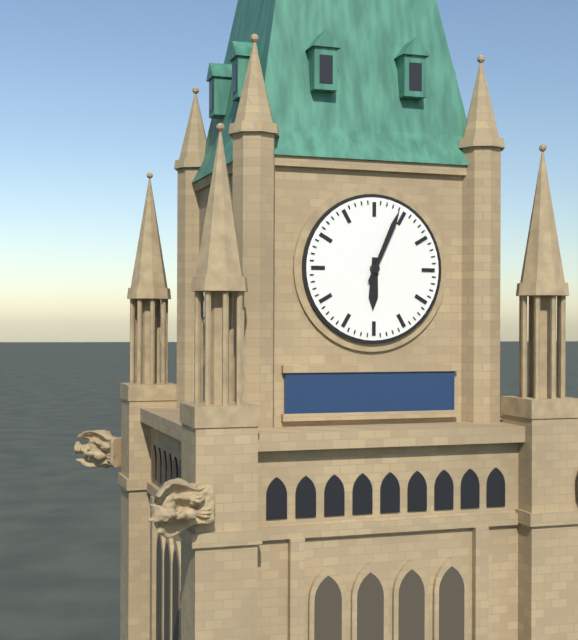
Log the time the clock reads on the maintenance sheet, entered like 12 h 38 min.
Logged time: 6 h 04 min
